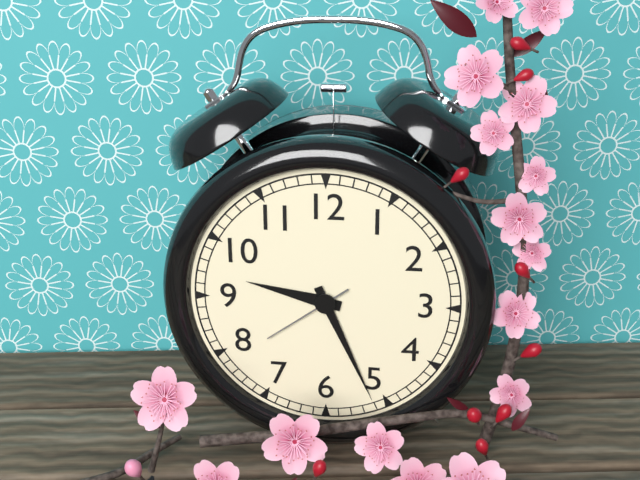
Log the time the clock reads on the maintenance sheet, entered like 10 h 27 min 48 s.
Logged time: 9 h 26 min 39 s
